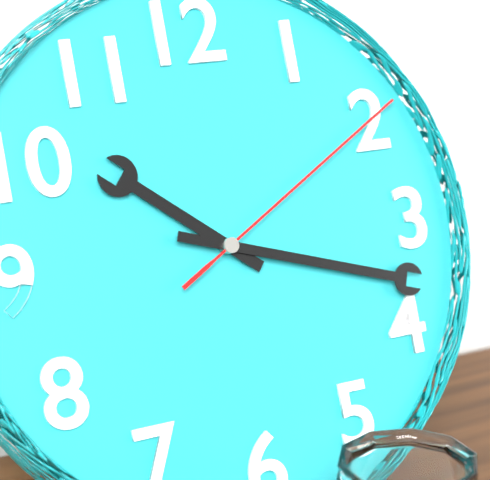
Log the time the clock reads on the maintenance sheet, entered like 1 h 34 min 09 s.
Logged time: 10 h 18 min 10 s
